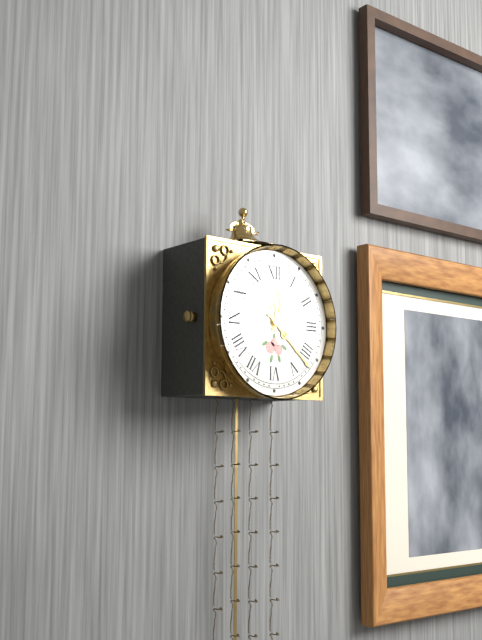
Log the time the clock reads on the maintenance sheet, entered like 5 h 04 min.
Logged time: 12 h 22 min
